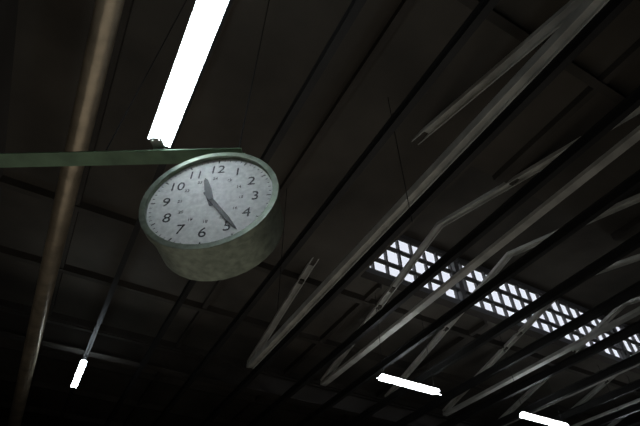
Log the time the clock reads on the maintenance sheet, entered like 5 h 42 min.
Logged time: 11 h 24 min
